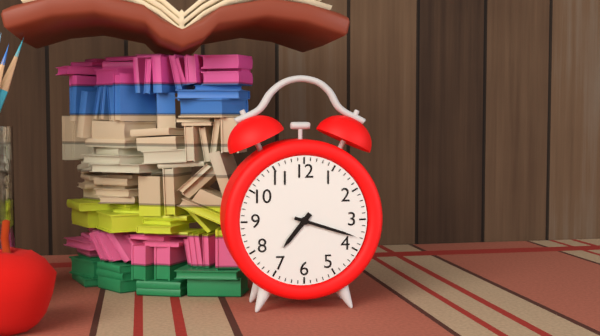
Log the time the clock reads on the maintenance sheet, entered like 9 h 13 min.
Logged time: 7 h 18 min
